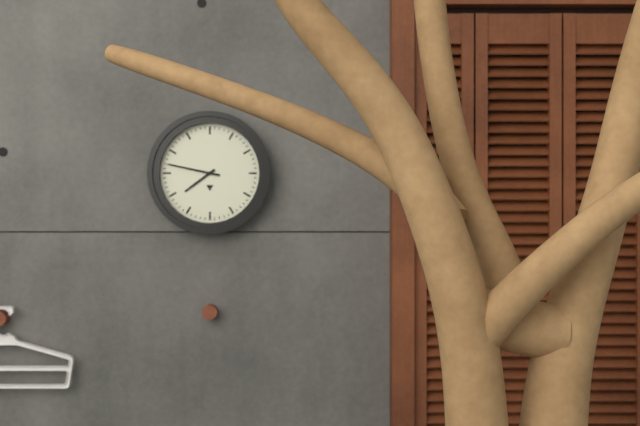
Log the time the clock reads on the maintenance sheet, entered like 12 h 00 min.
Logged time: 7 h 47 min
